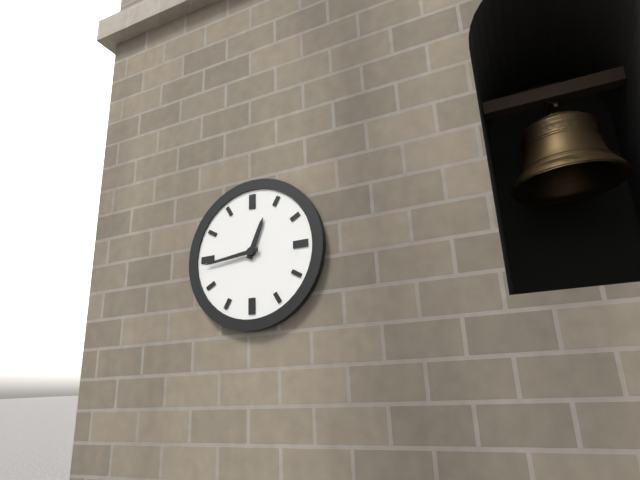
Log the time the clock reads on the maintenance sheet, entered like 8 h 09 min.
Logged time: 12 h 44 min
